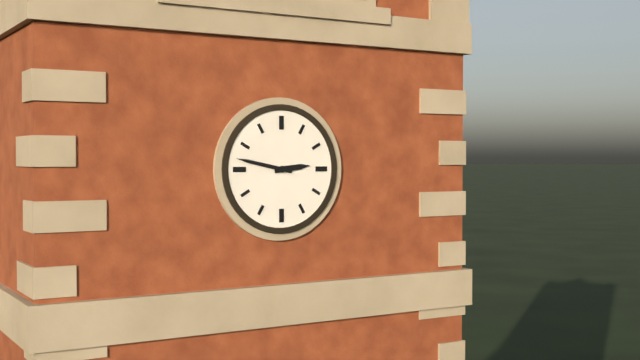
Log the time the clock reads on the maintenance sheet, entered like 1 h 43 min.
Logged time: 2 h 47 min
